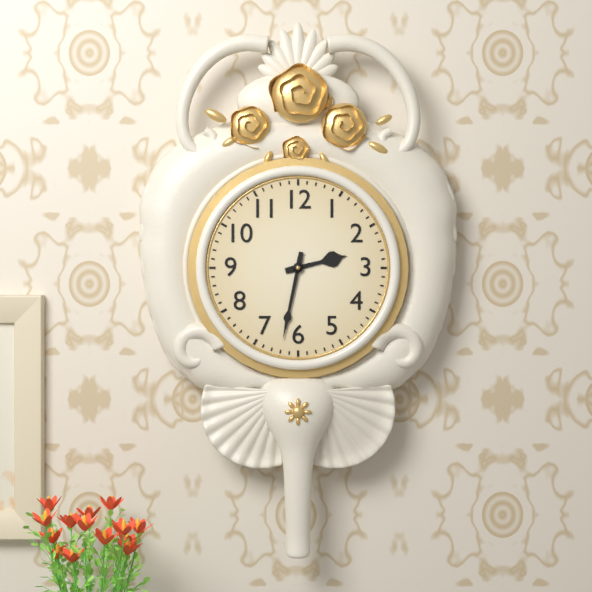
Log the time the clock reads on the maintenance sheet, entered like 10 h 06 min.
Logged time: 2 h 32 min
